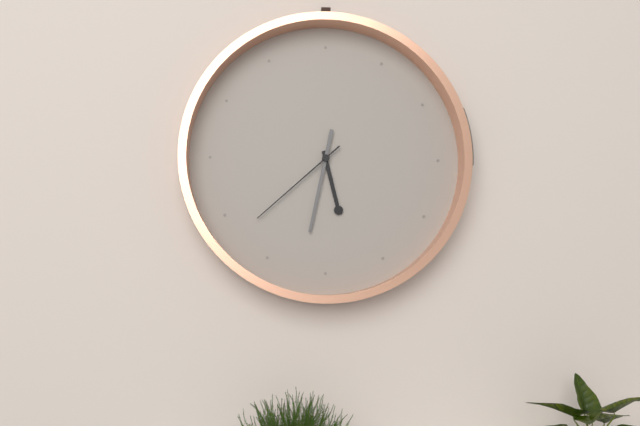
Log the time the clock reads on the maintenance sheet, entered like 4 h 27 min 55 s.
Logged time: 5 h 32 min 38 s
